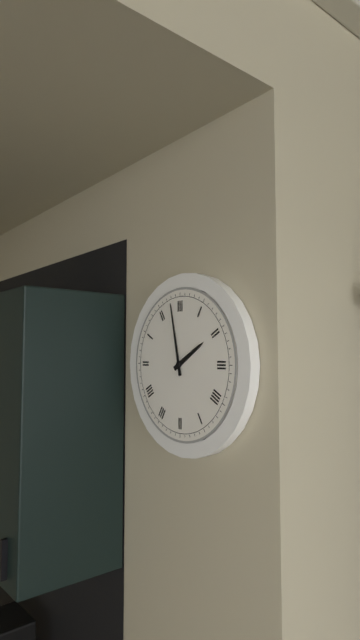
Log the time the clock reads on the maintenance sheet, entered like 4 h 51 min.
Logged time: 1 h 58 min
